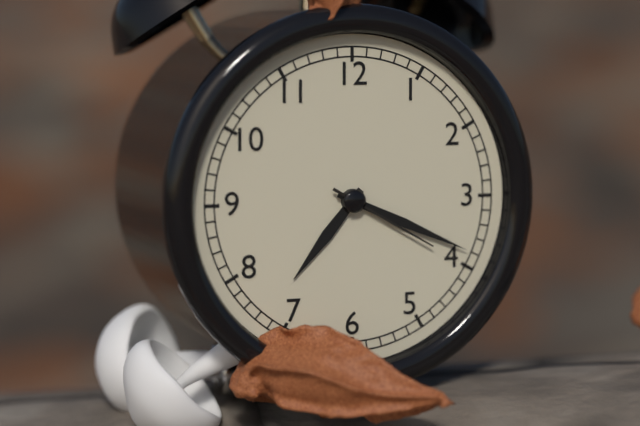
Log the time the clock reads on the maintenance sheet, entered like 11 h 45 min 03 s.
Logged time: 7 h 19 min 20 s
